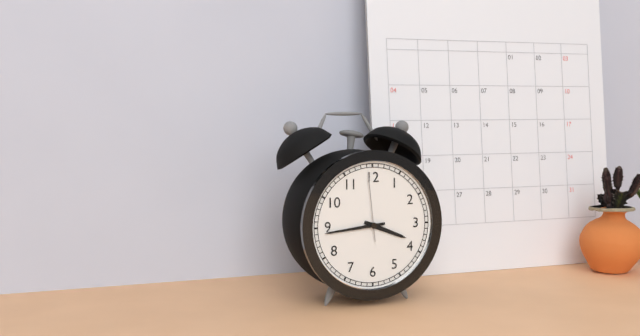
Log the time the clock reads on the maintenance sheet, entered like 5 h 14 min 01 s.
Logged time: 3 h 44 min 59 s
